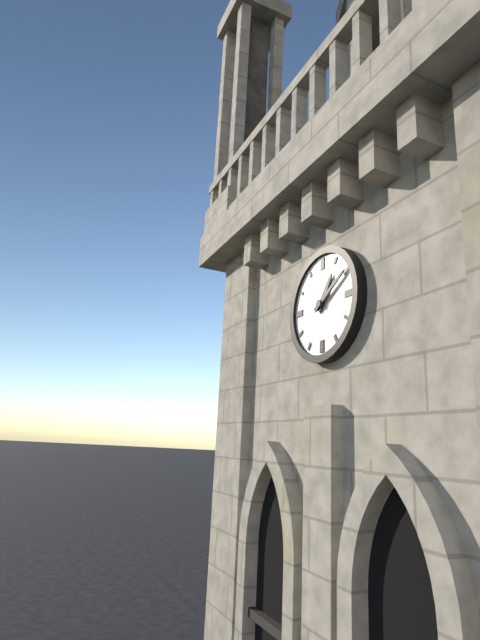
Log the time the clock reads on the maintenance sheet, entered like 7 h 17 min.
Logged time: 1 h 10 min
